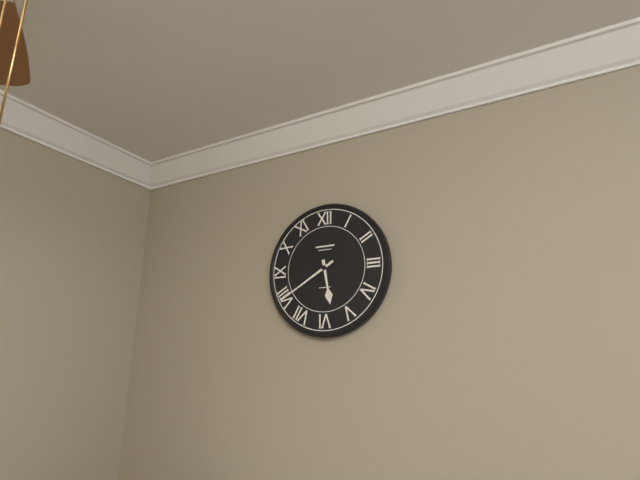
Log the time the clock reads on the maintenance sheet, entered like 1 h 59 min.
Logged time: 5 h 40 min
